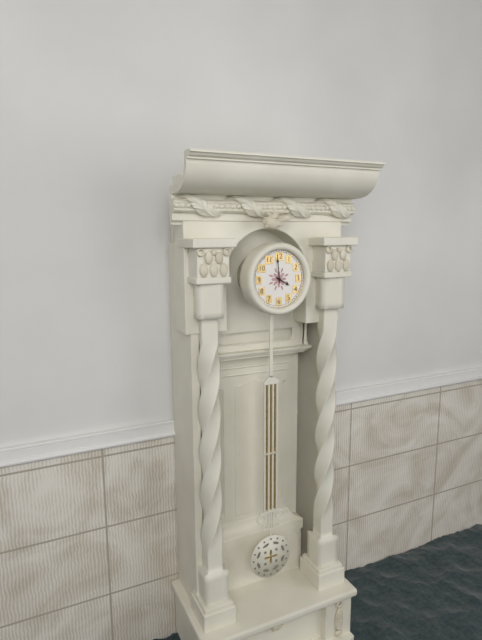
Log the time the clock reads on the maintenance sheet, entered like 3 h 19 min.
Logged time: 3 h 59 min
